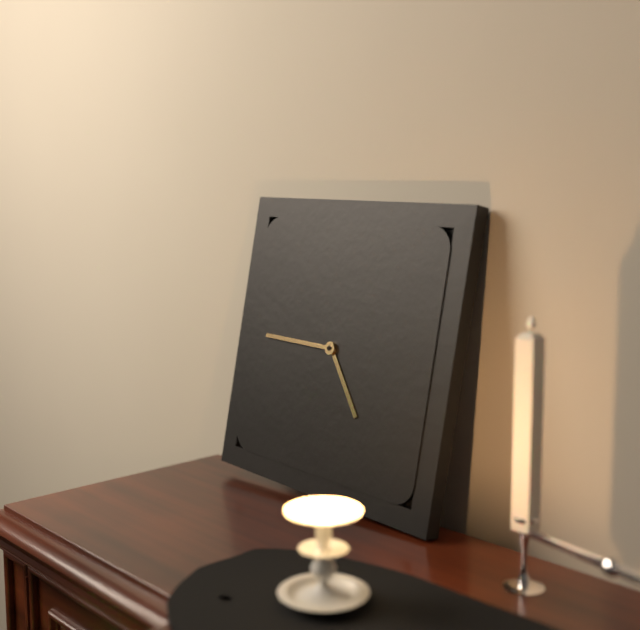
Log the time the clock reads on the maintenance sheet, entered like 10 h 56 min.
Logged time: 4 h 45 min
